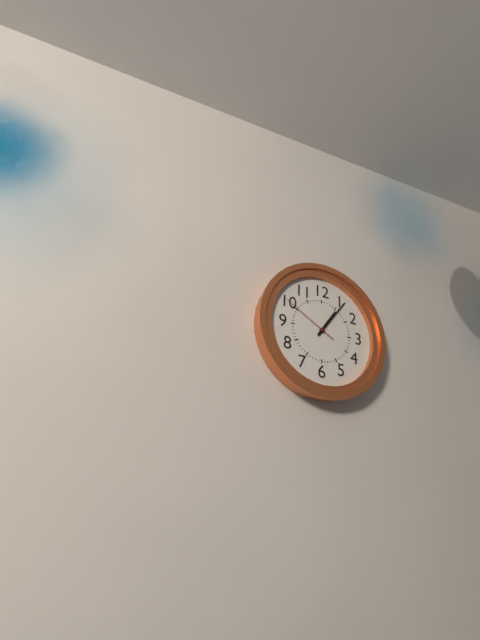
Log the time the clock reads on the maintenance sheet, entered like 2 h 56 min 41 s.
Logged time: 1 h 06 min 50 s
